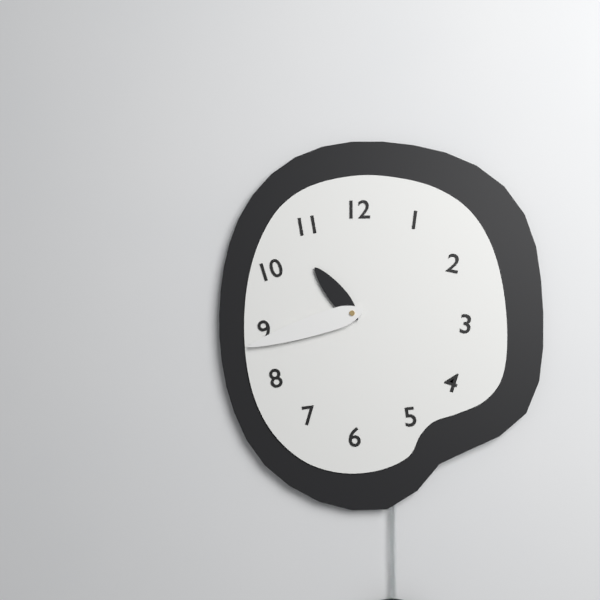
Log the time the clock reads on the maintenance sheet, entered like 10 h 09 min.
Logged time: 10 h 42 min
